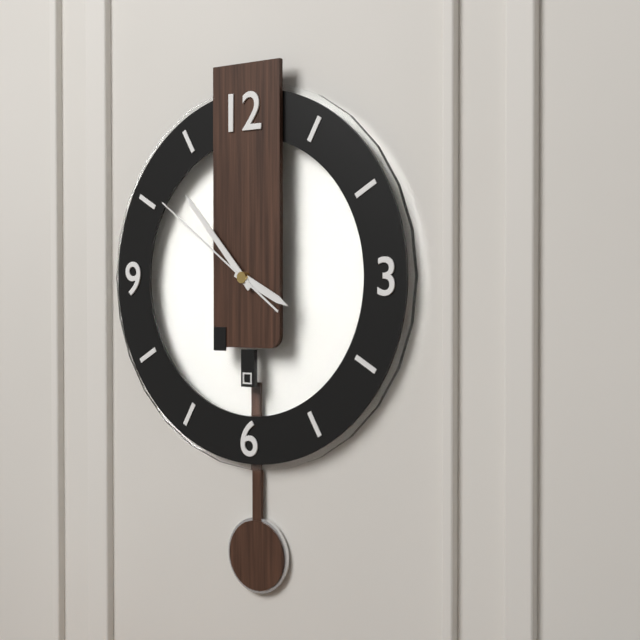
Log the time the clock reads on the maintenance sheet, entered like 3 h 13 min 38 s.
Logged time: 3 h 53 min 51 s
